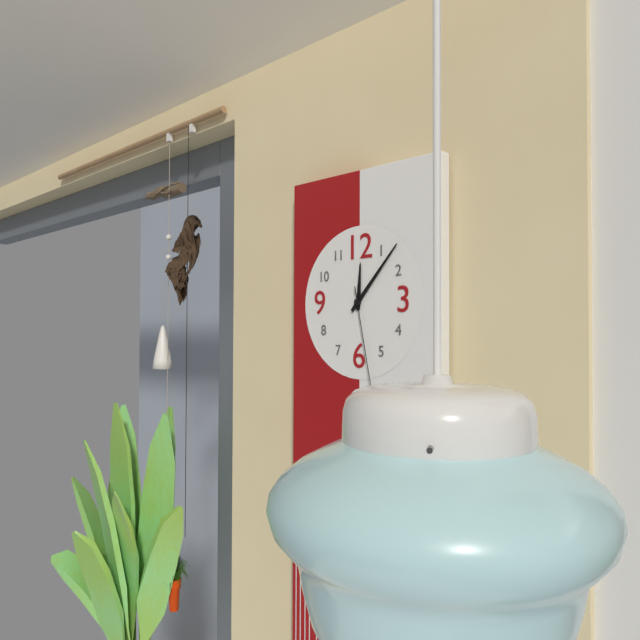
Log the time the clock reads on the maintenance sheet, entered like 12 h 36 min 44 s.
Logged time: 12 h 07 min 28 s
